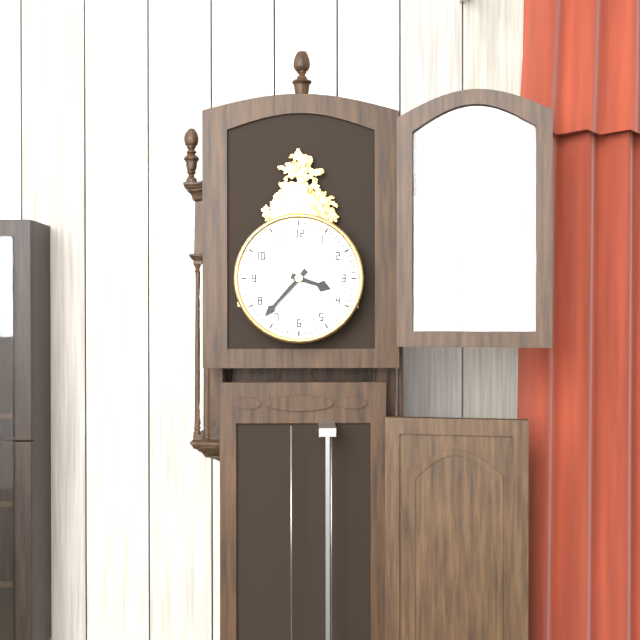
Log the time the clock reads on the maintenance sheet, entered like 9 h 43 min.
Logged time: 3 h 37 min
